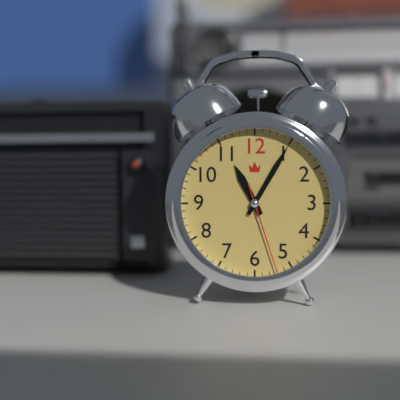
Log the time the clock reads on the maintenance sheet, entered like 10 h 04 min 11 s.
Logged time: 11 h 05 min 27 s
